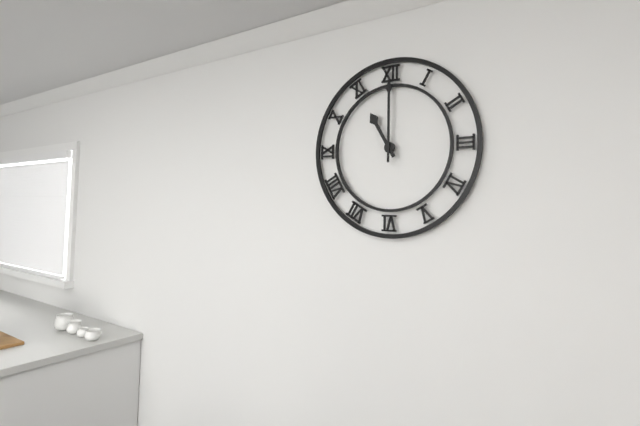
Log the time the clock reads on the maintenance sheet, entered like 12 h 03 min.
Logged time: 11 h 00 min
